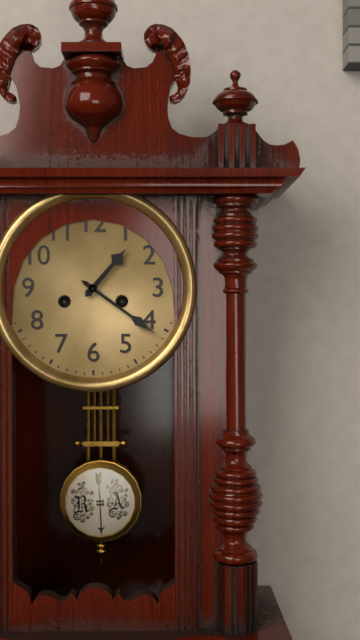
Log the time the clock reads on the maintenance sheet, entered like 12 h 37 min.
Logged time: 1 h 21 min
